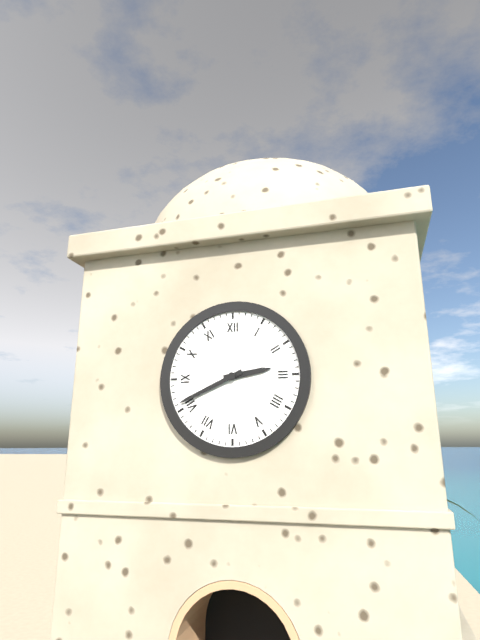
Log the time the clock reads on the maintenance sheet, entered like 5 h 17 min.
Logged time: 2 h 41 min
